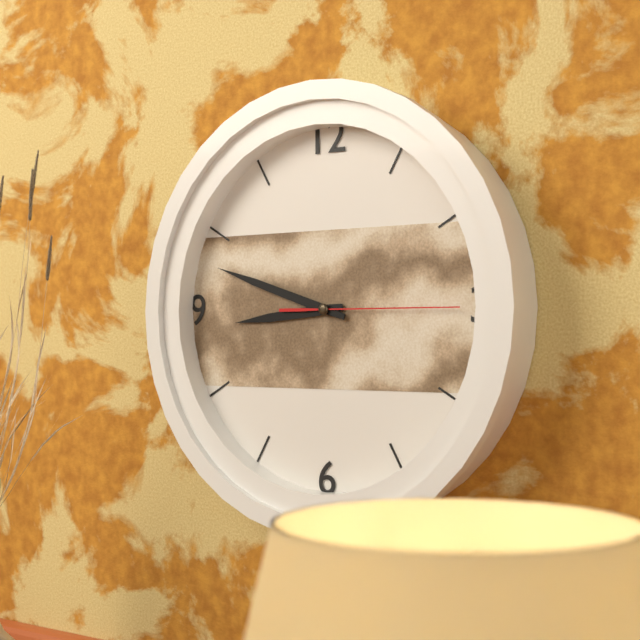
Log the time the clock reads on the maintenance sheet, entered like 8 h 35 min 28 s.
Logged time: 8 h 48 min 15 s
